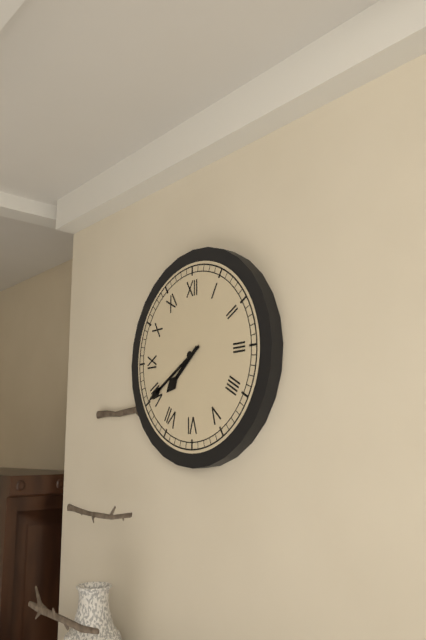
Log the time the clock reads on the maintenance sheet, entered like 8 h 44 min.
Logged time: 7 h 40 min
